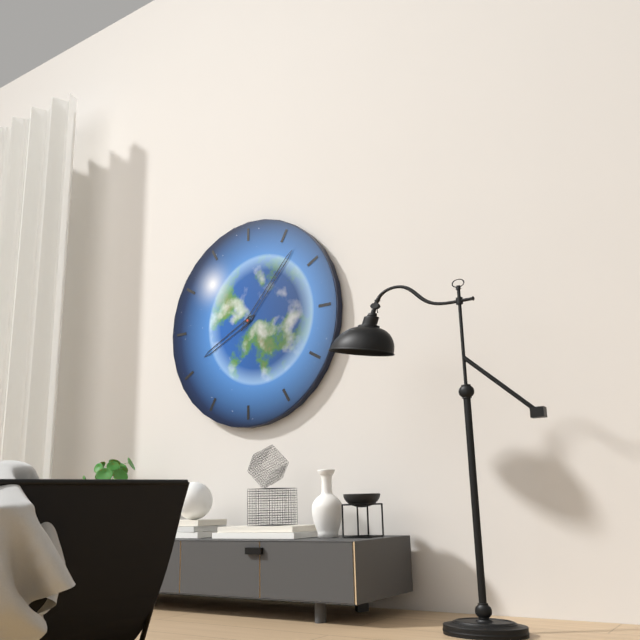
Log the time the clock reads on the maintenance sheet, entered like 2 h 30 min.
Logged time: 8 h 07 min
